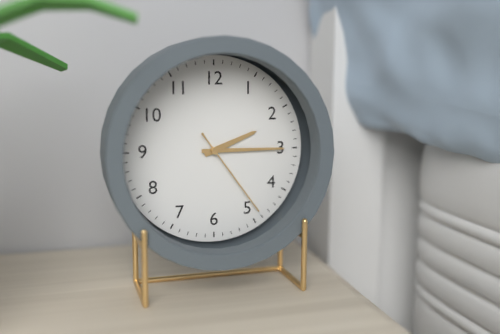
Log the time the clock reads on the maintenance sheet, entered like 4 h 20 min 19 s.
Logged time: 2 h 15 min 24 s
